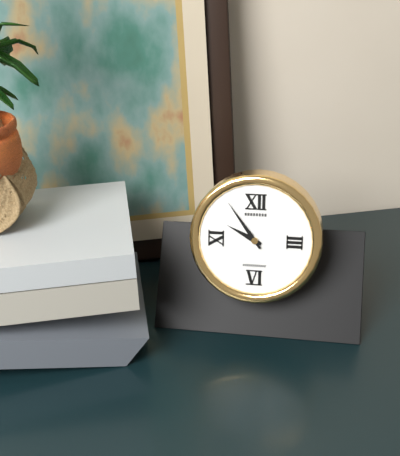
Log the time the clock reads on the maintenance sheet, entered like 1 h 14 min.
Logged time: 9 h 54 min
